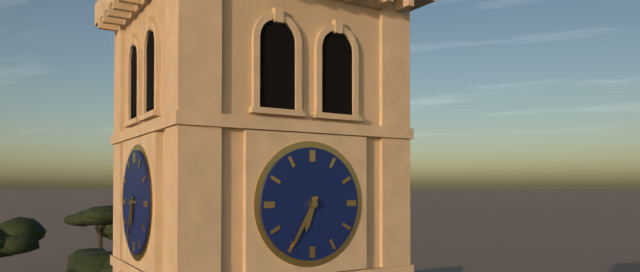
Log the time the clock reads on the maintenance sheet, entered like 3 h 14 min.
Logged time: 6 h 35 min
